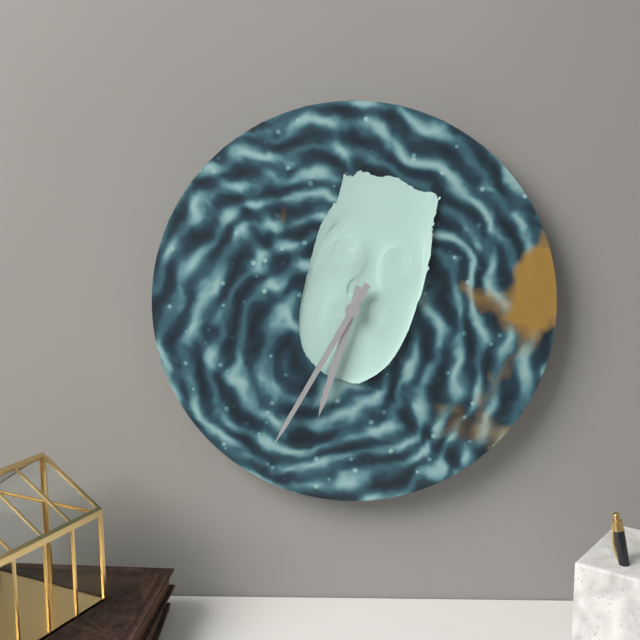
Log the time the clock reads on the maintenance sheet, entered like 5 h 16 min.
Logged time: 6 h 35 min
